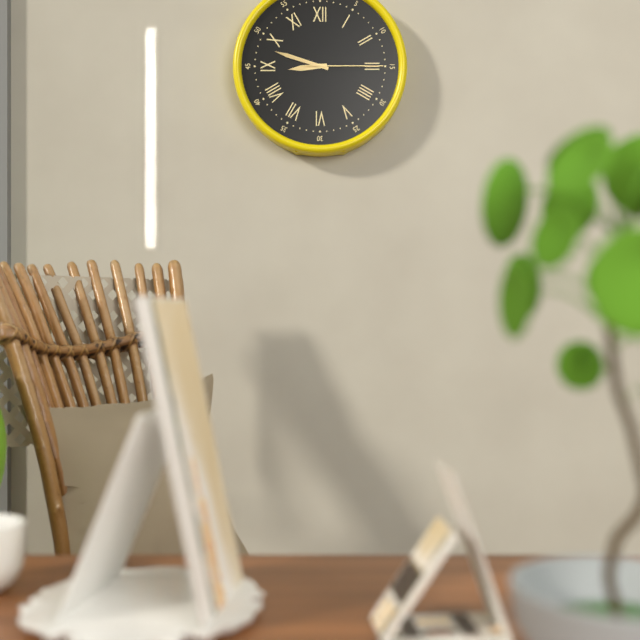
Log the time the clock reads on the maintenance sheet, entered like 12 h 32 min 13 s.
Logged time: 8 h 48 min 15 s
